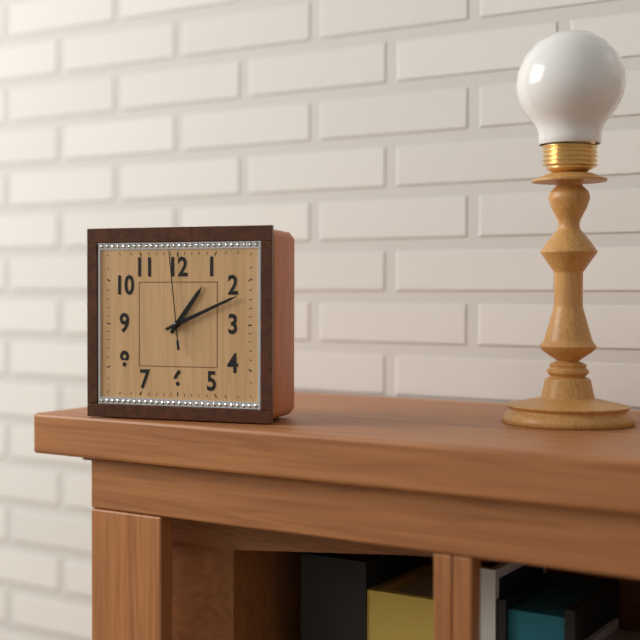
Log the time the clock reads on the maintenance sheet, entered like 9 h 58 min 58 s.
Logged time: 1 h 11 min 59 s
